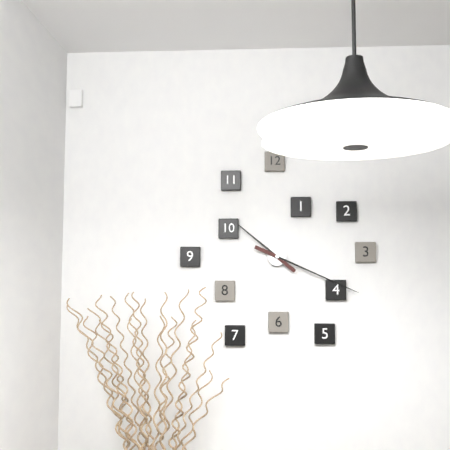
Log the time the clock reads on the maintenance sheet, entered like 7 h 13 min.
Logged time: 10 h 19 min
